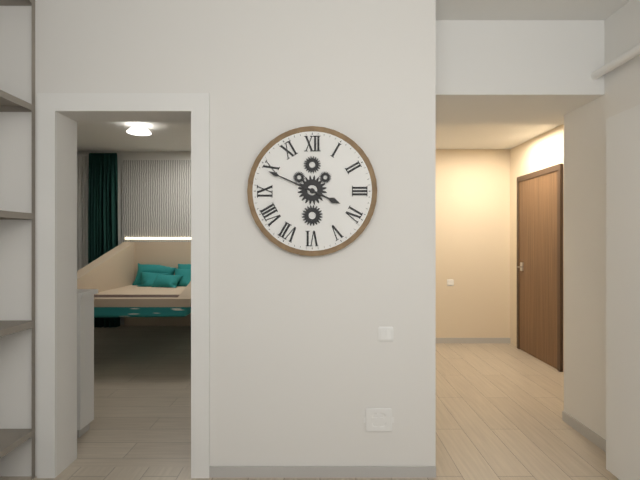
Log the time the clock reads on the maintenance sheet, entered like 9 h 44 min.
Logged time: 3 h 49 min
